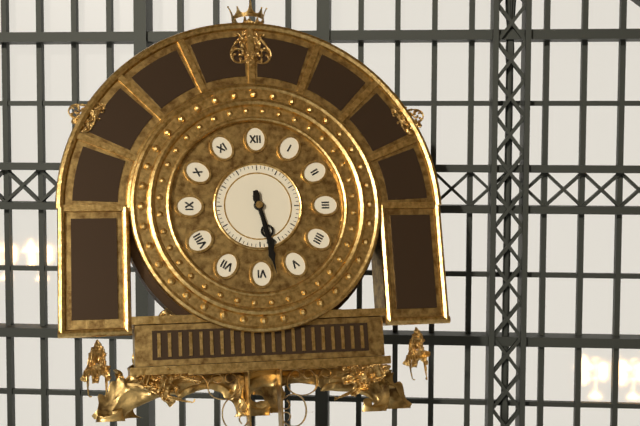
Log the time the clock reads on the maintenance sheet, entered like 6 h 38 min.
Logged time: 5 h 28 min
